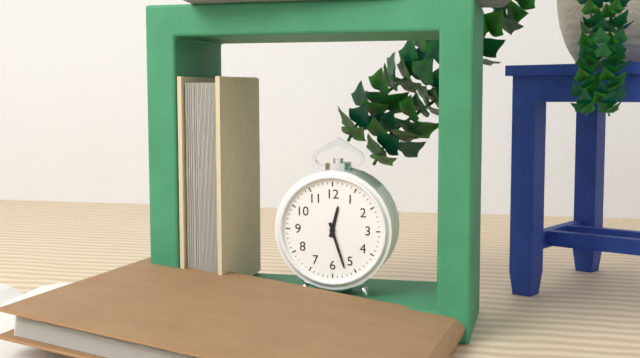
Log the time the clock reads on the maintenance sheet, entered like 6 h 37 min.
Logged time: 12 h 27 min
